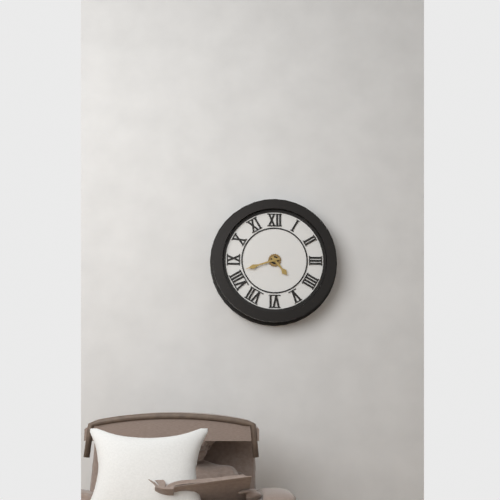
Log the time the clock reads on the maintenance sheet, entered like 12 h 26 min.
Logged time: 4 h 42 min
